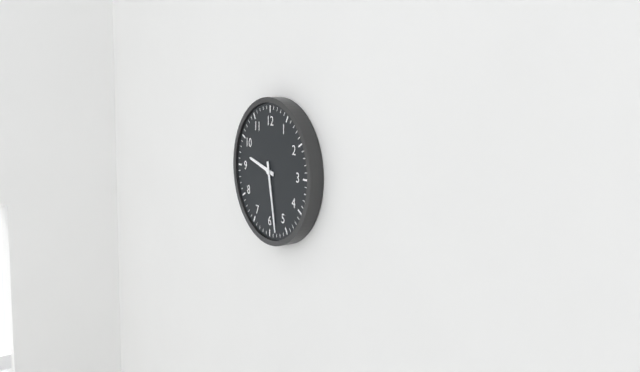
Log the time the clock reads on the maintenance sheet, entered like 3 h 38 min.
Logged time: 9 h 28 min
